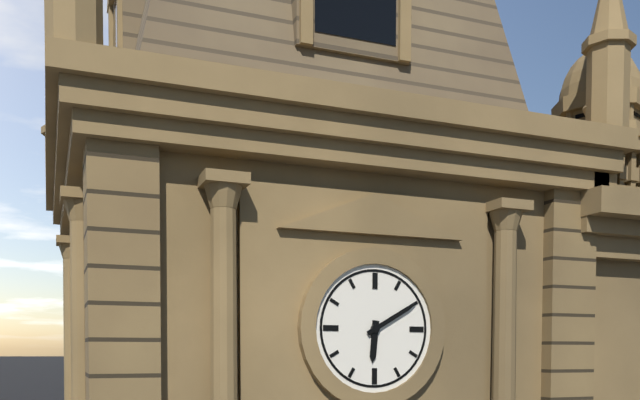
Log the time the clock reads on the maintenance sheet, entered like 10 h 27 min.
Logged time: 6 h 10 min
